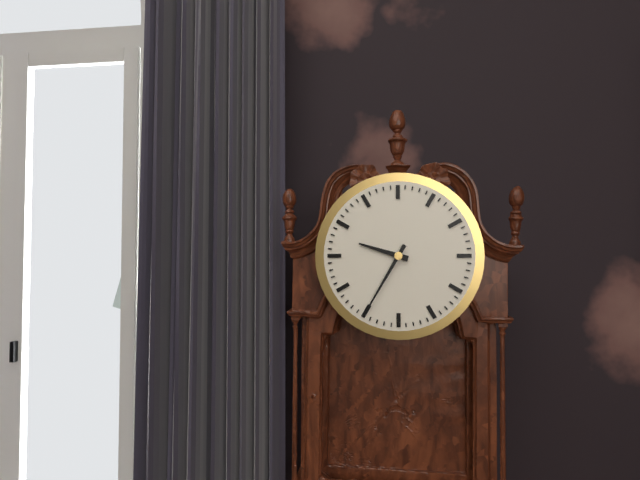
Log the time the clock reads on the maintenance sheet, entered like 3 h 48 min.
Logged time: 9 h 35 min
